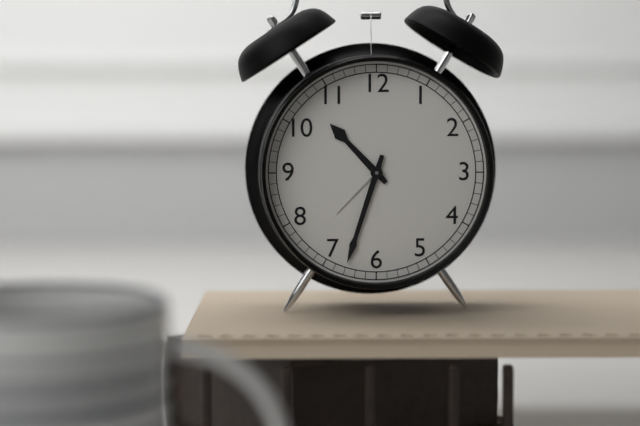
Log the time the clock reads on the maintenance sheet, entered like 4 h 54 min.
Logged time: 10 h 33 min
